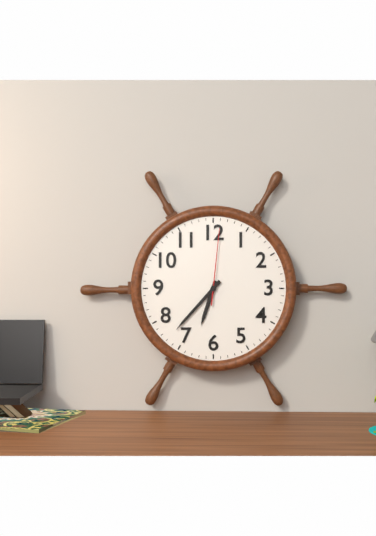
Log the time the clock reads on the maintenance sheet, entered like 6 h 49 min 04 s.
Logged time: 6 h 37 min 01 s
